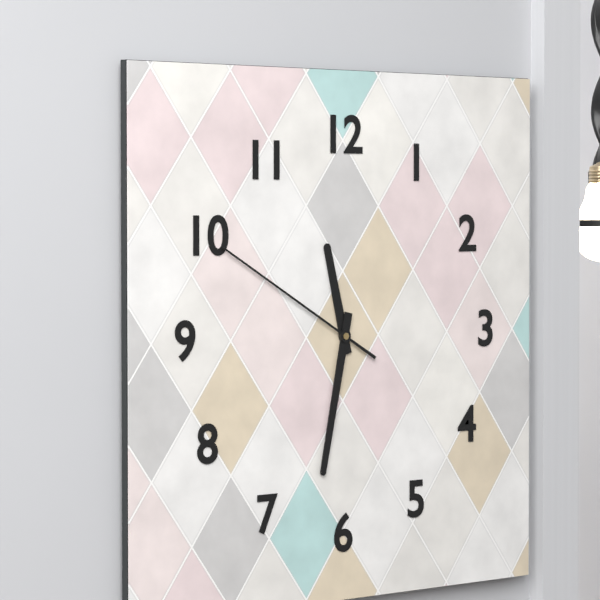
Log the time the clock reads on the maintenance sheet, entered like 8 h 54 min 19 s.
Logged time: 11 h 32 min 50 s
